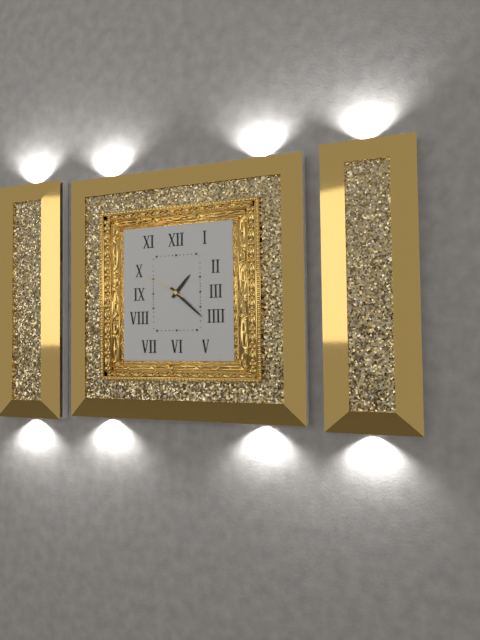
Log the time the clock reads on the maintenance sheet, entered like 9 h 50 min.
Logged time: 1 h 22 min
